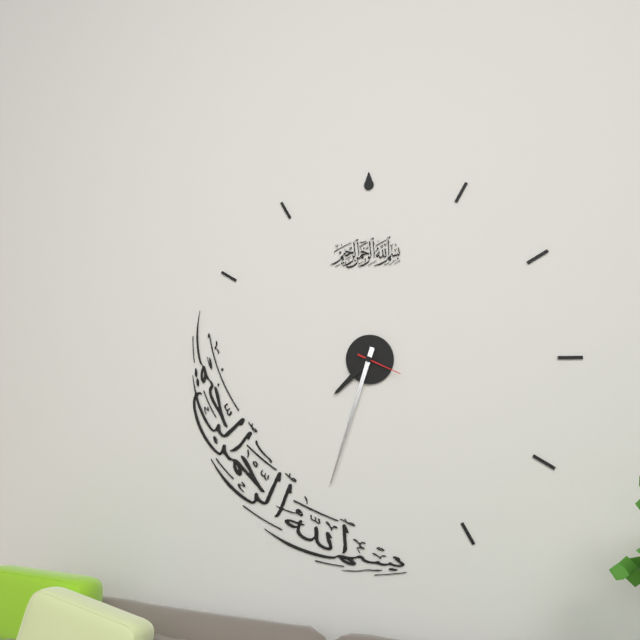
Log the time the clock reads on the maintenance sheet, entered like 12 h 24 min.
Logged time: 7 h 33 min
